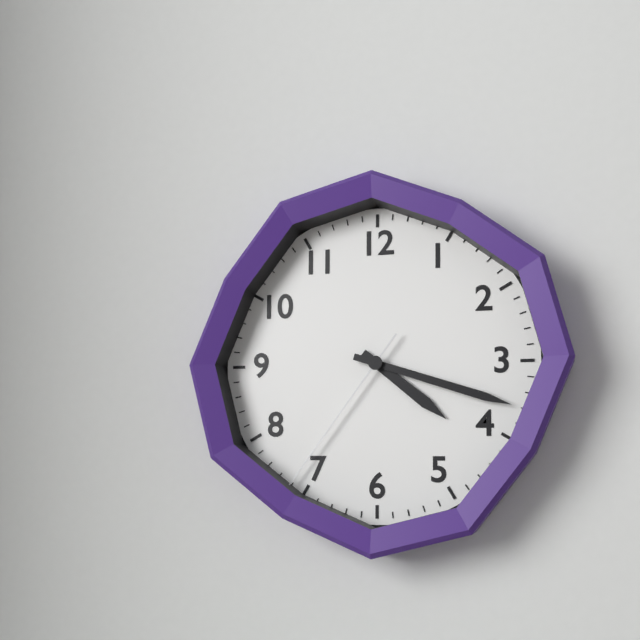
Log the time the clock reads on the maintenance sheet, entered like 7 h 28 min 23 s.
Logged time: 4 h 18 min 36 s
